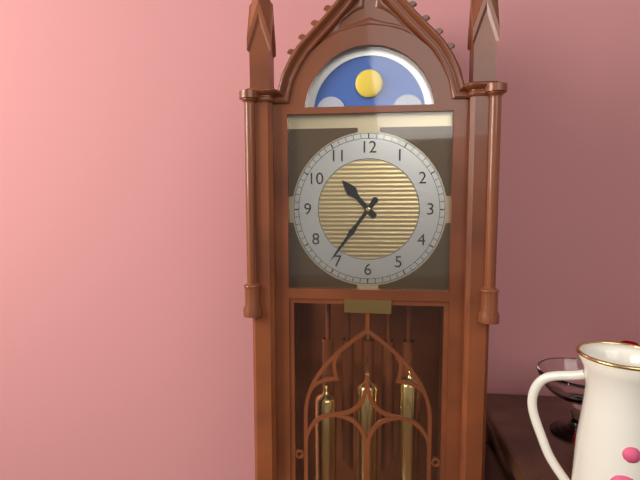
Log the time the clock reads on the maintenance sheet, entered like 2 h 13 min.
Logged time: 10 h 36 min
